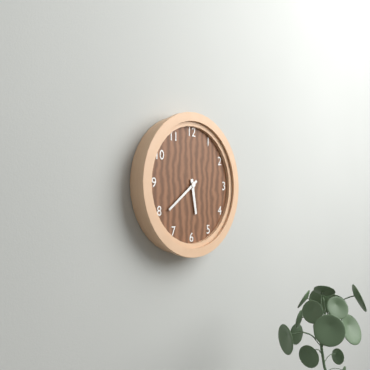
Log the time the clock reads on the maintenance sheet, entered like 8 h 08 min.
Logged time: 5 h 39 min
